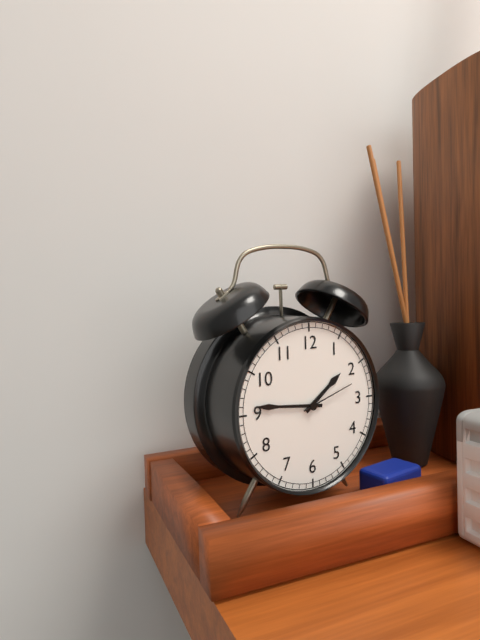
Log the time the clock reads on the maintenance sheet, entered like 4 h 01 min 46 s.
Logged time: 1 h 46 min 12 s
